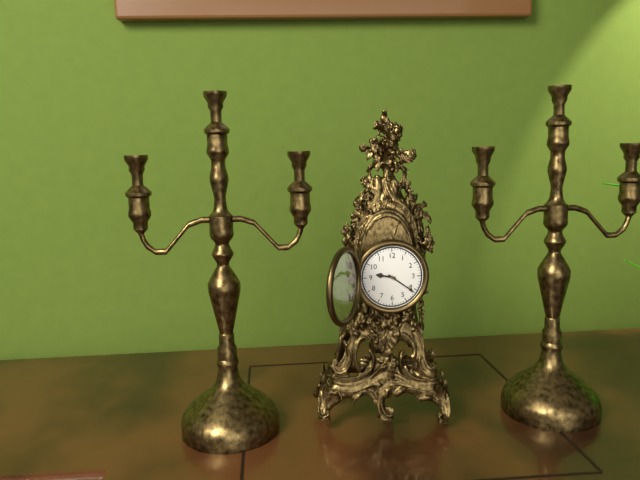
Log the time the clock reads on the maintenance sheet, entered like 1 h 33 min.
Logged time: 9 h 21 min
